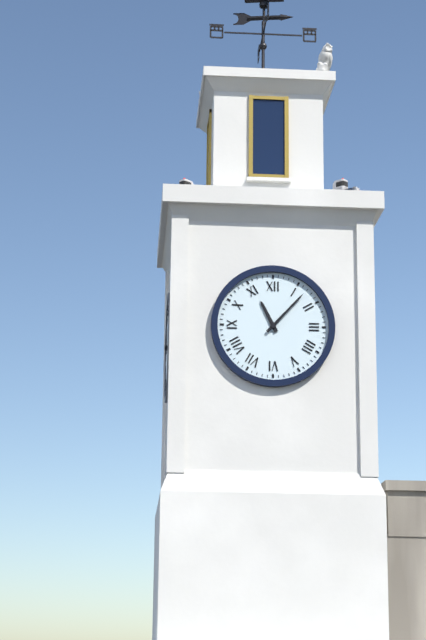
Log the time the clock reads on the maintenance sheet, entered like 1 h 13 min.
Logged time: 11 h 07 min
